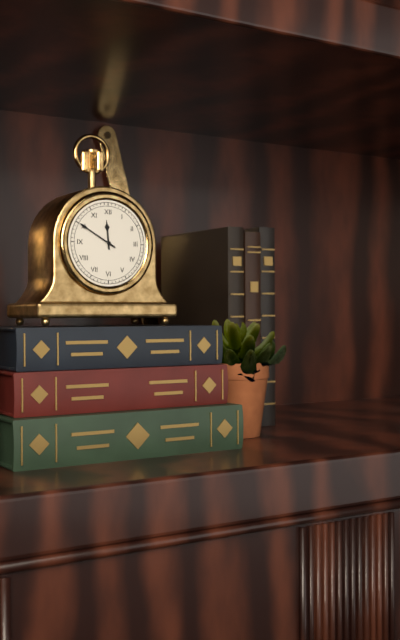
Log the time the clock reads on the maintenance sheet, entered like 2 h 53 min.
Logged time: 11 h 50 min
